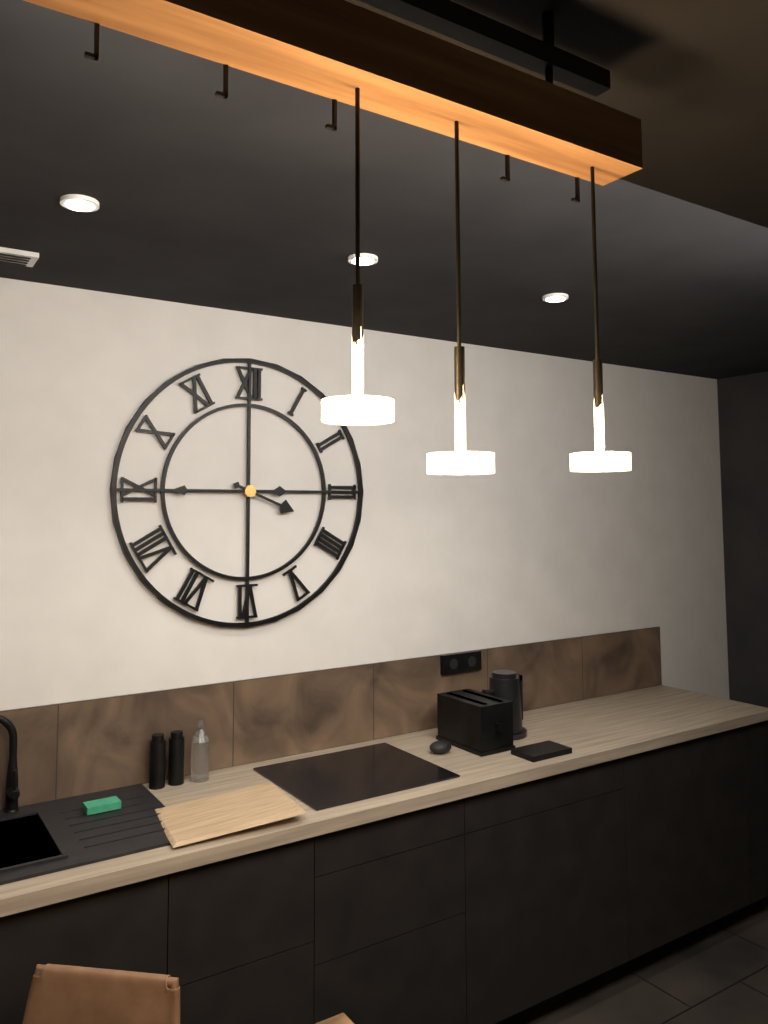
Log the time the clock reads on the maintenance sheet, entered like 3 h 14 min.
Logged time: 3 h 45 min
